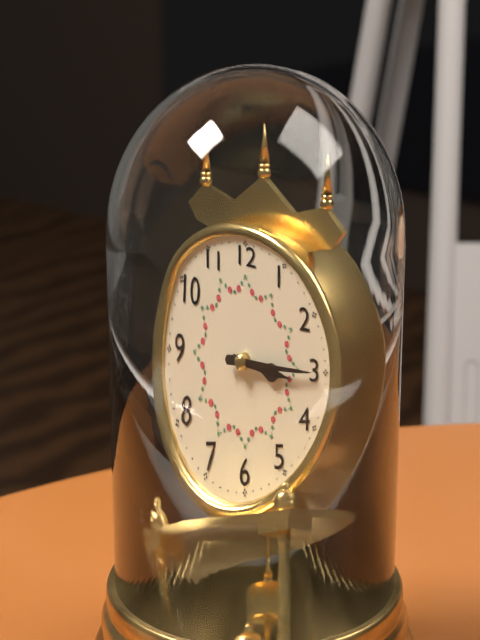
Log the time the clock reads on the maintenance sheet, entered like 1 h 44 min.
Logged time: 3 h 15 min
